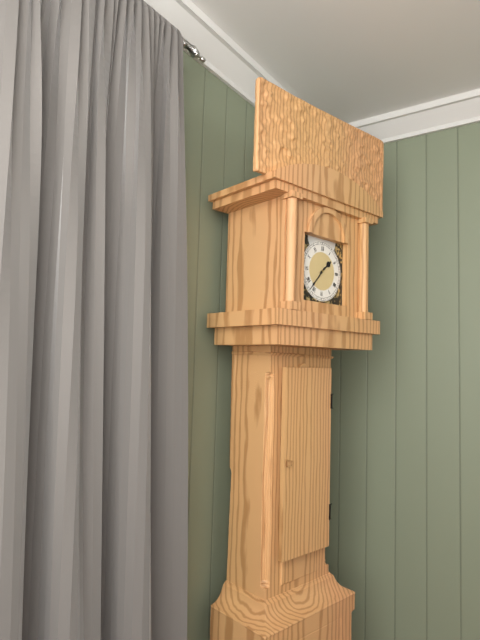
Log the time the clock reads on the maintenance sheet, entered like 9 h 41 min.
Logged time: 1 h 37 min
